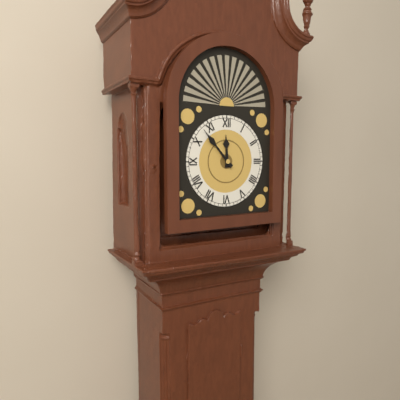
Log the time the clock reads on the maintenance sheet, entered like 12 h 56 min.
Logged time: 11 h 53 min
